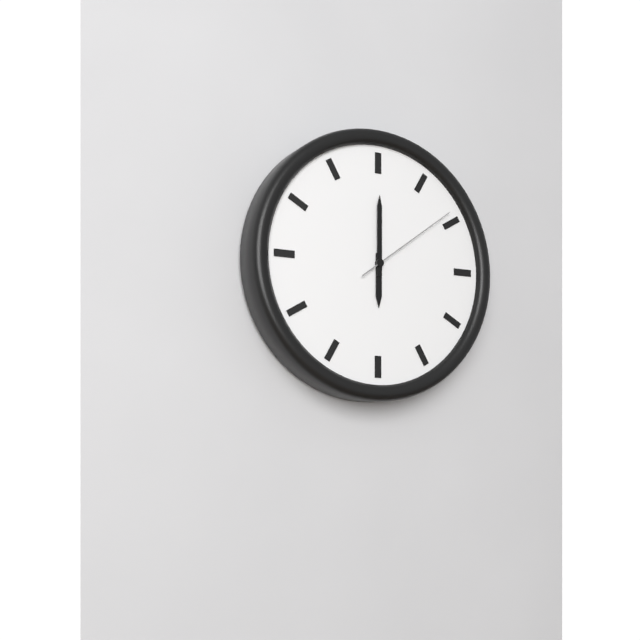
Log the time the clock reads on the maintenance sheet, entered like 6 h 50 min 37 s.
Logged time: 6 h 00 min 09 s
